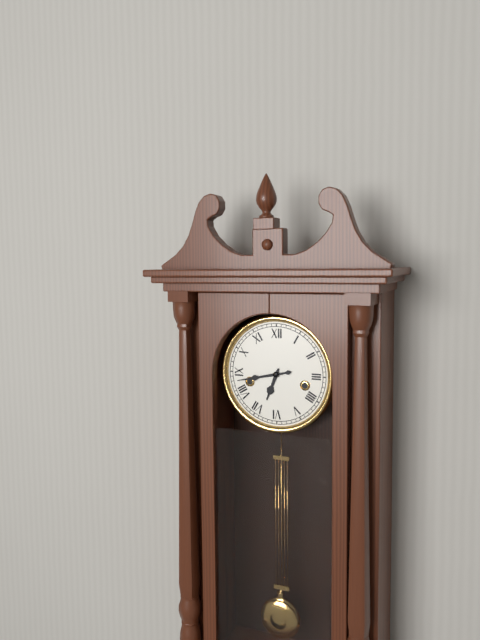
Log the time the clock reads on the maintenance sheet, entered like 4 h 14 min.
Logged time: 6 h 43 min
